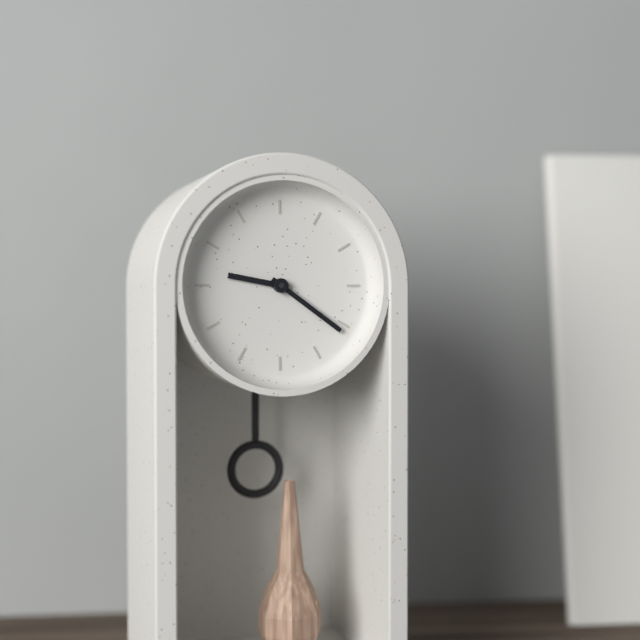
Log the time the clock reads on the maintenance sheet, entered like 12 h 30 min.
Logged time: 9 h 21 min
